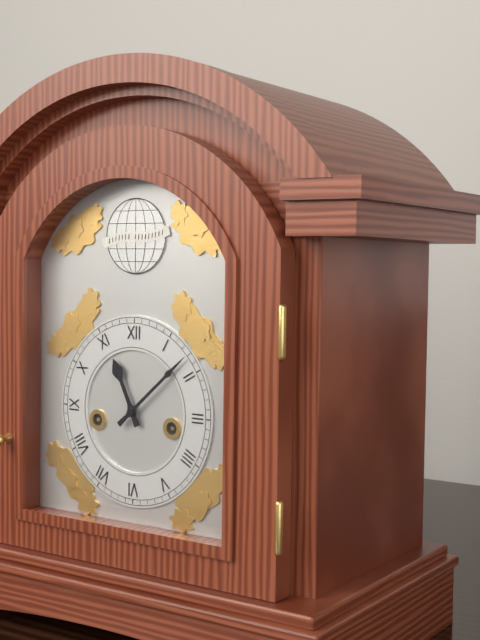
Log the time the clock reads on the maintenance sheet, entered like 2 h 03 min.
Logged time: 11 h 08 min
